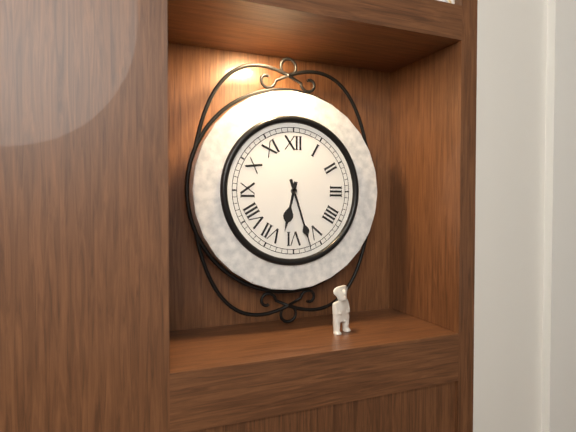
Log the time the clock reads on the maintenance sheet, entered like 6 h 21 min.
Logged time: 6 h 27 min
